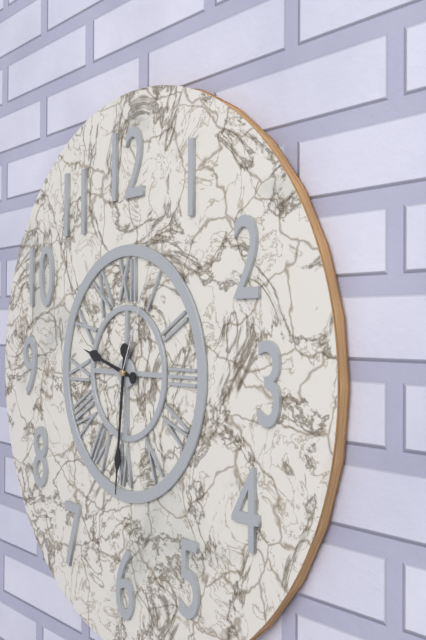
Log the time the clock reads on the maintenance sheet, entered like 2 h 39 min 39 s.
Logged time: 9 h 31 min 04 s
